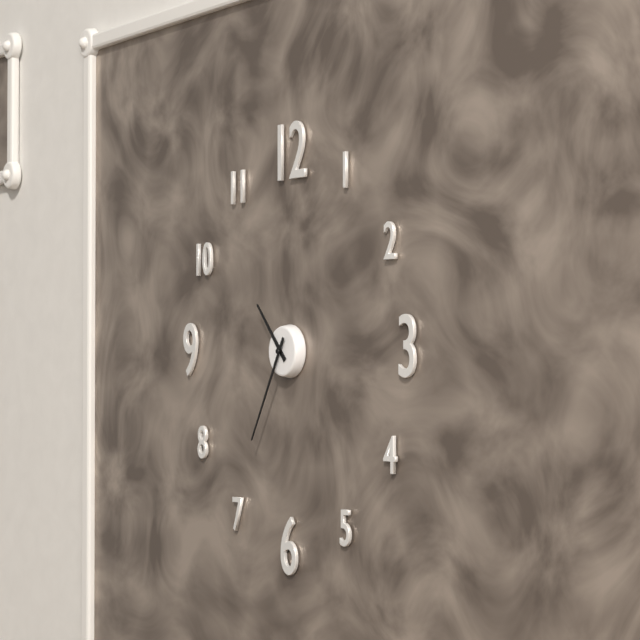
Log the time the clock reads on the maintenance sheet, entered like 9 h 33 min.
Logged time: 10 h 35 min
